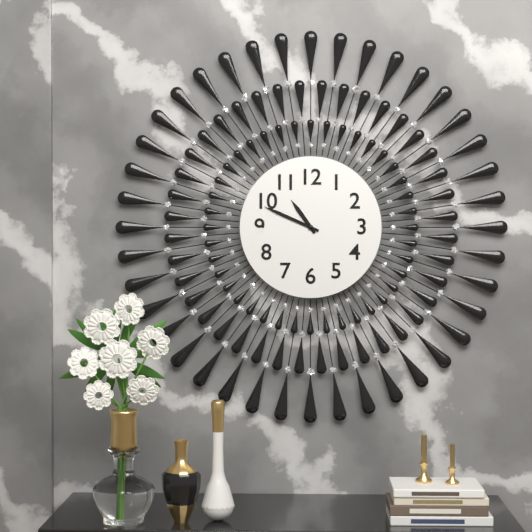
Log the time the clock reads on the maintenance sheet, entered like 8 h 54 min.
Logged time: 10 h 49 min
